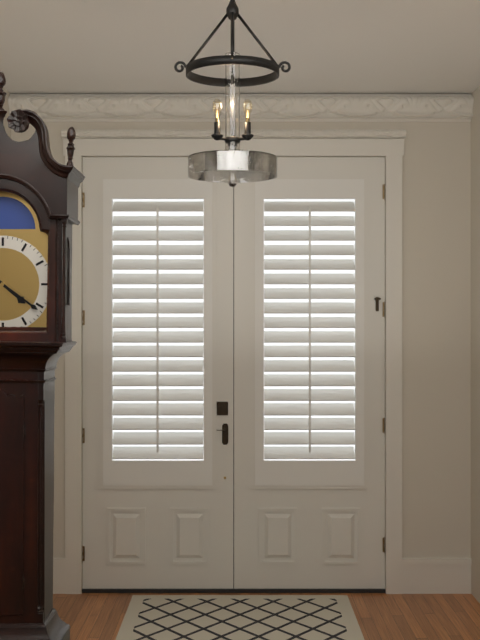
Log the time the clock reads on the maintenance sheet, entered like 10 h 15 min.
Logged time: 4 h 21 min
